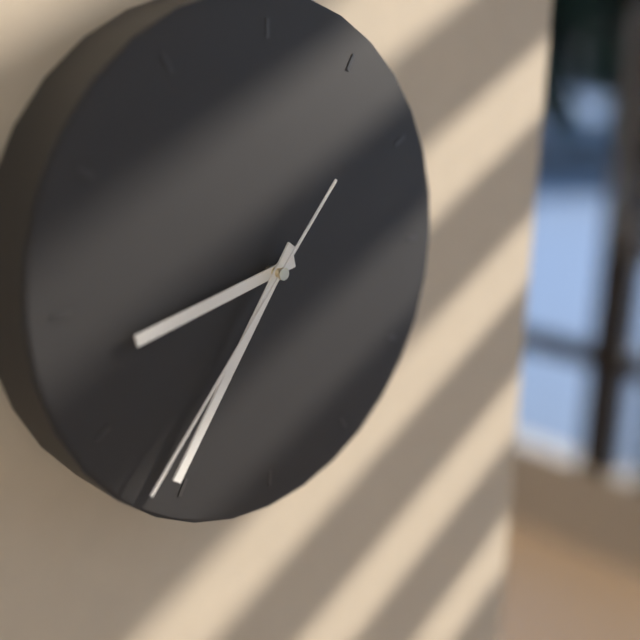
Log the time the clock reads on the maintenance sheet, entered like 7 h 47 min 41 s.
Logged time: 8 h 36 min 37 s
